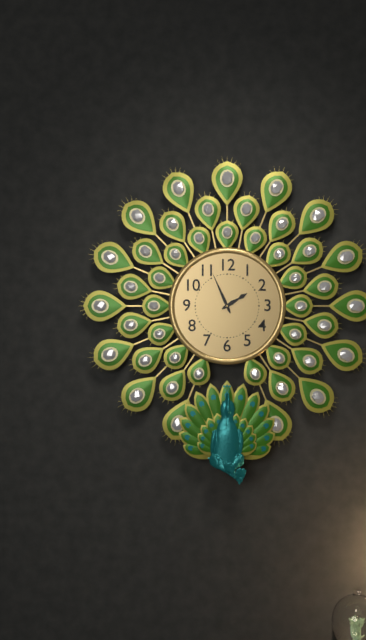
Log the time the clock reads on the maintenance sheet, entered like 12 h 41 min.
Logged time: 1 h 56 min
